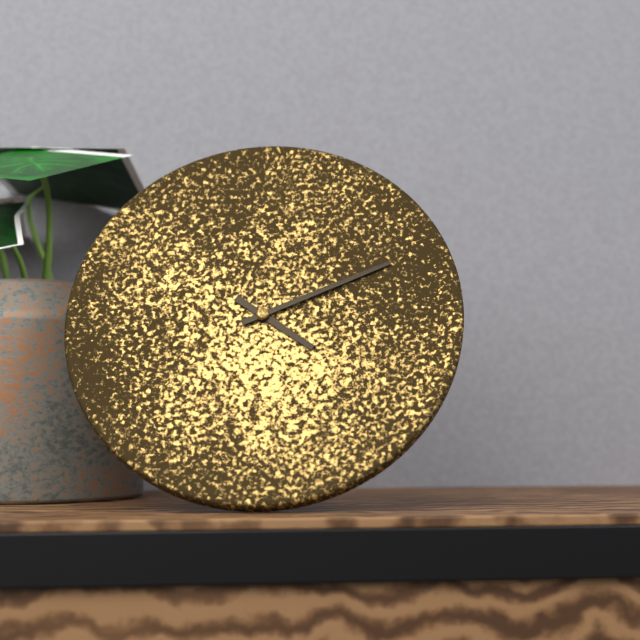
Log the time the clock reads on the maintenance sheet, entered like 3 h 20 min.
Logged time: 4 h 11 min
